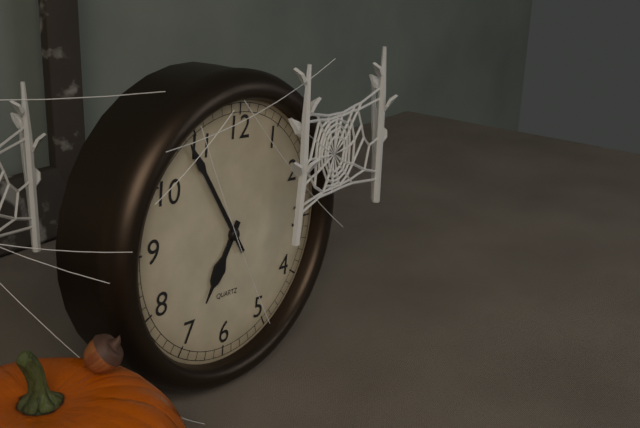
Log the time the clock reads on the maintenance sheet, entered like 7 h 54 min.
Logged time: 6 h 54 min
